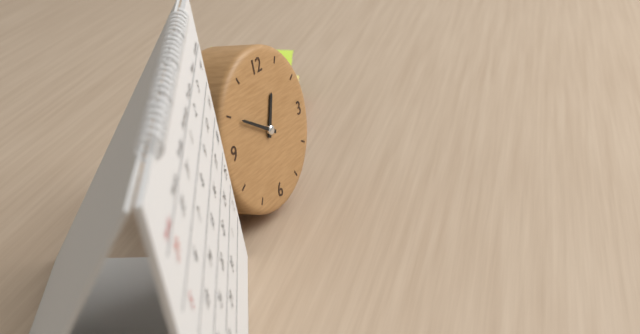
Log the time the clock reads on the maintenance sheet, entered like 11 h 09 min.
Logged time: 12 h 50 min
